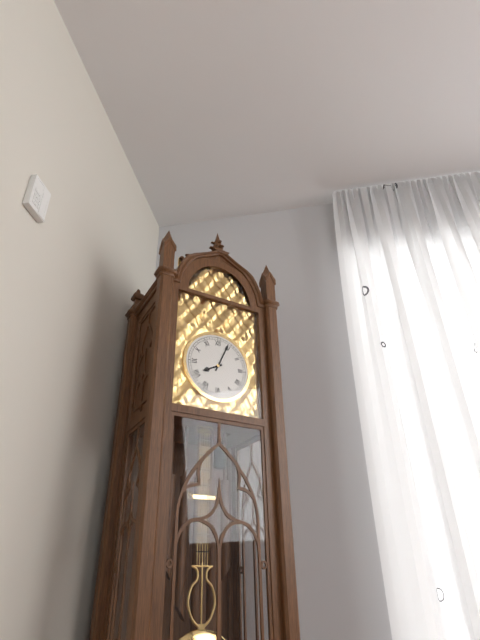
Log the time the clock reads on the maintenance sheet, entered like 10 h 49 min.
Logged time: 8 h 04 min
